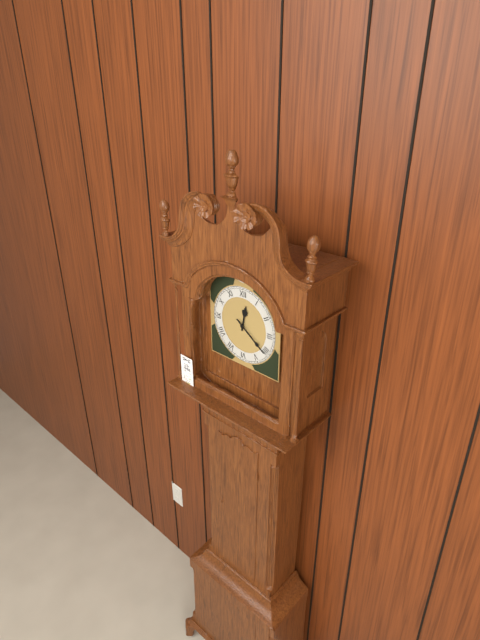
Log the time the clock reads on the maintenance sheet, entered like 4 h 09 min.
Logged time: 12 h 21 min
